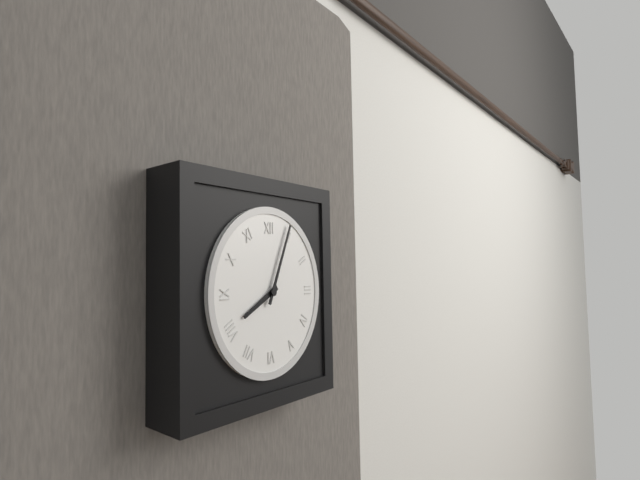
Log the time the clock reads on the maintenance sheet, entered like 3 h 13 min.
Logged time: 8 h 04 min
